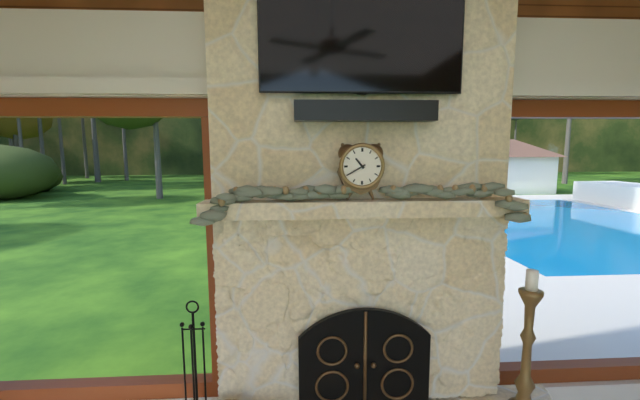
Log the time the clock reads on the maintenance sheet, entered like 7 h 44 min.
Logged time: 10 h 40 min
